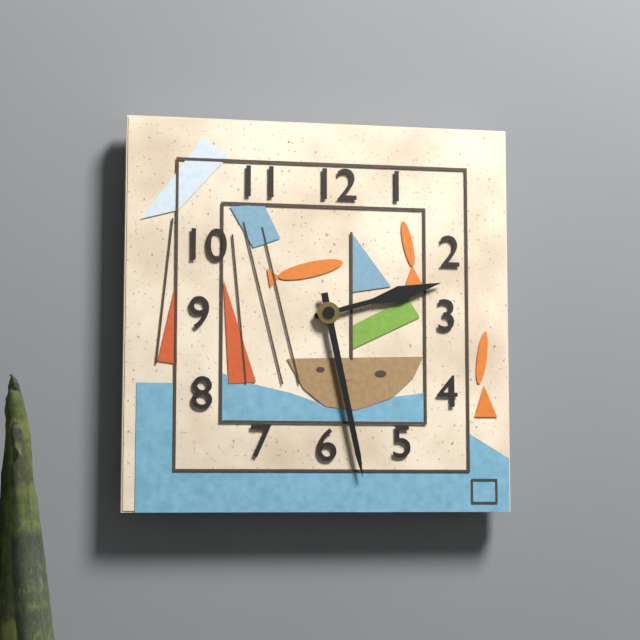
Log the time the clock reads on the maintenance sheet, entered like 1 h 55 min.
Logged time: 2 h 28 min
